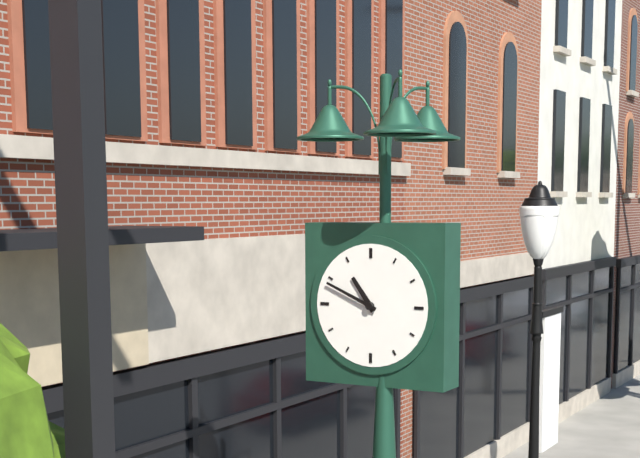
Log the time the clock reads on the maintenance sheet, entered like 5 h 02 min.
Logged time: 10 h 49 min
